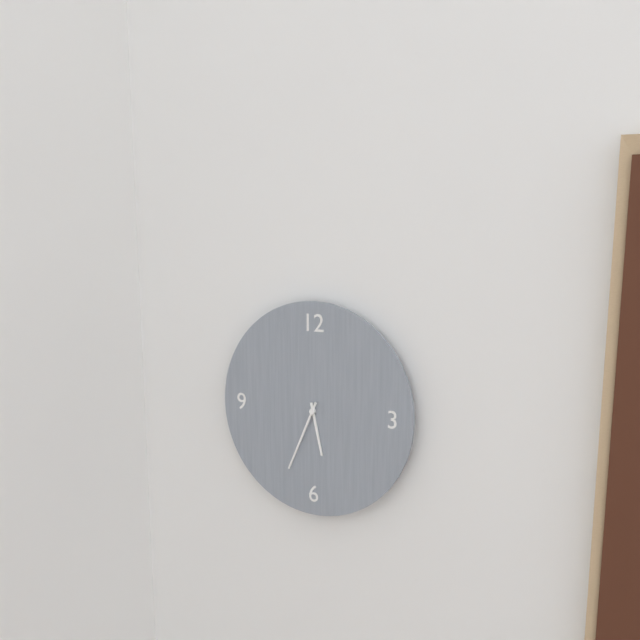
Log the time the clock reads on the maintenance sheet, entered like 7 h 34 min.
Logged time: 5 h 34 min
